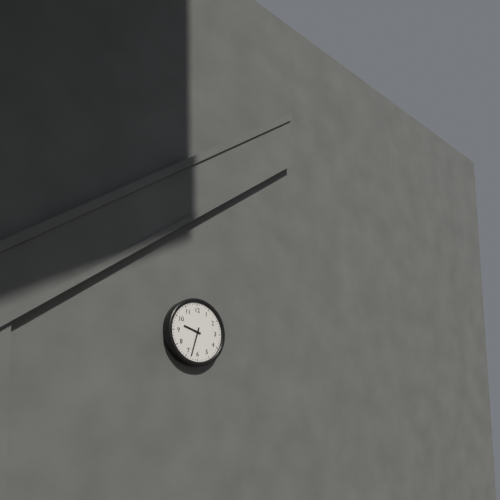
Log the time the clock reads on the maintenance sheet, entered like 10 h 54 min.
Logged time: 9 h 33 min
